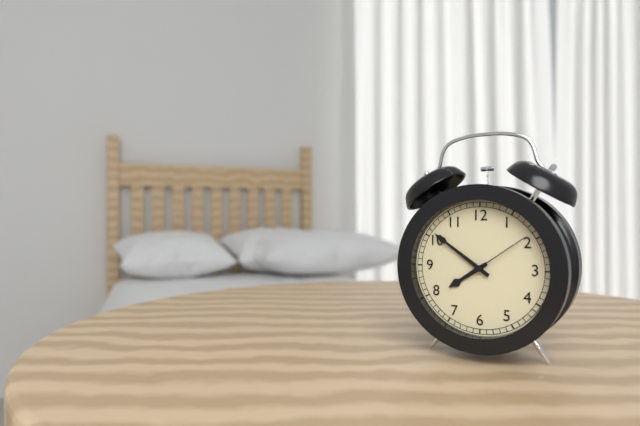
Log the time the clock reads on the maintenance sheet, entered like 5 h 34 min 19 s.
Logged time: 7 h 51 min 09 s
